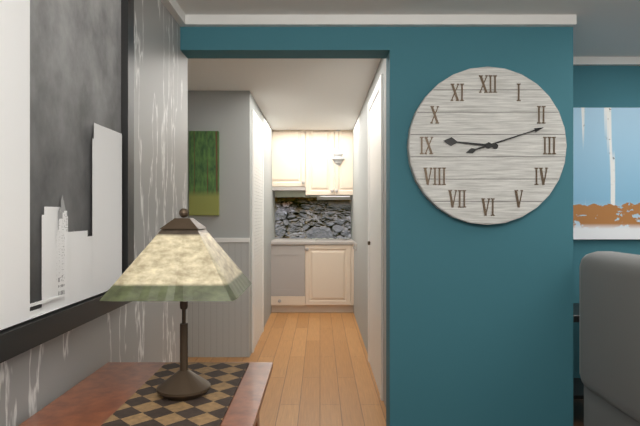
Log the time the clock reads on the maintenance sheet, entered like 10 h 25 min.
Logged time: 9 h 12 min
